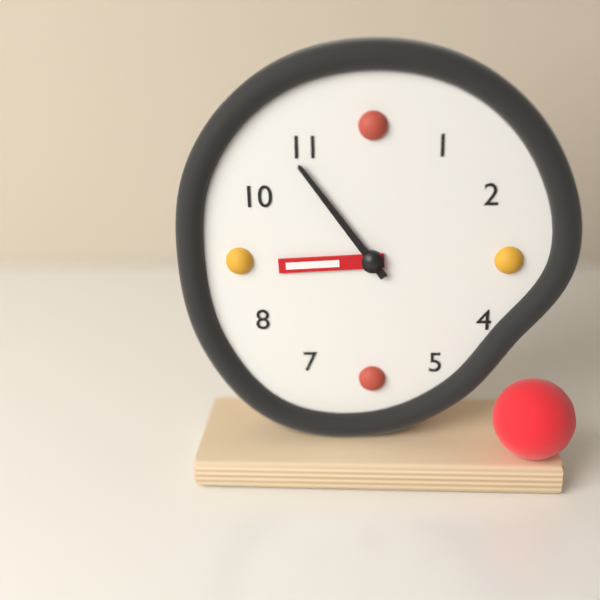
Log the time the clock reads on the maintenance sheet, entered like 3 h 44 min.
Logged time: 8 h 54 min
